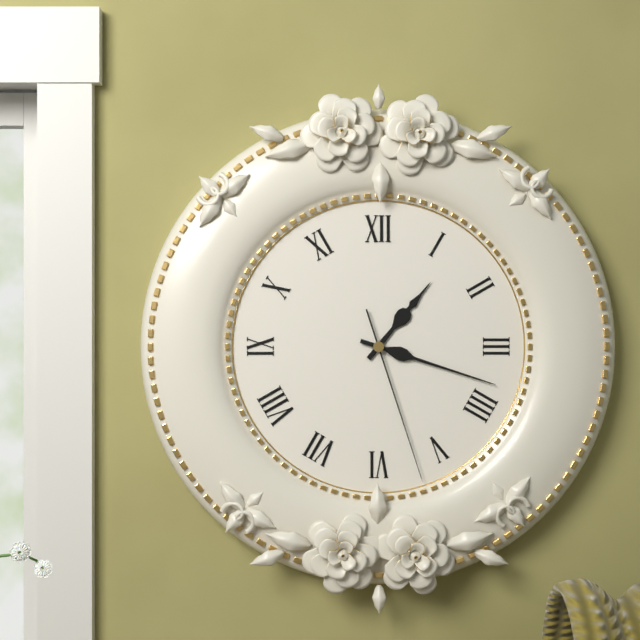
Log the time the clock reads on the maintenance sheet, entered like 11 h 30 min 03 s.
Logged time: 1 h 18 min 27 s
